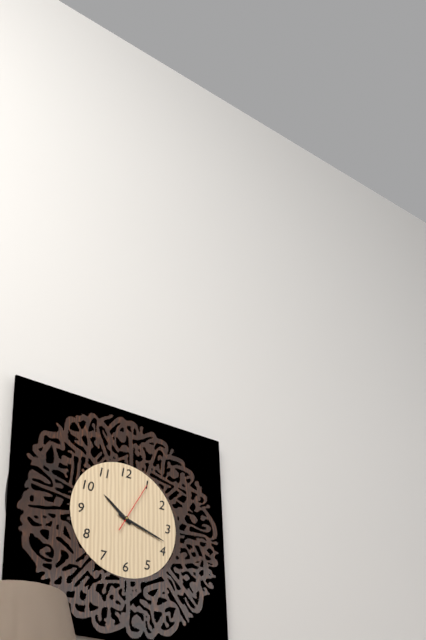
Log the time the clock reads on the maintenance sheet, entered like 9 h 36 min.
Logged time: 10 h 18 min
